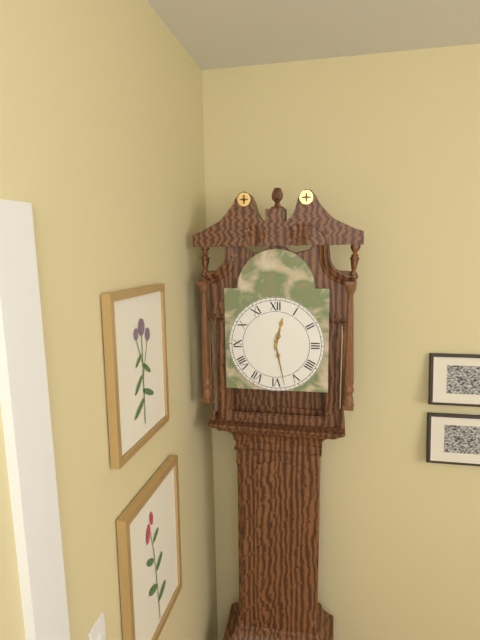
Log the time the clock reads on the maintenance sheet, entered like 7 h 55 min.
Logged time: 12 h 28 min
